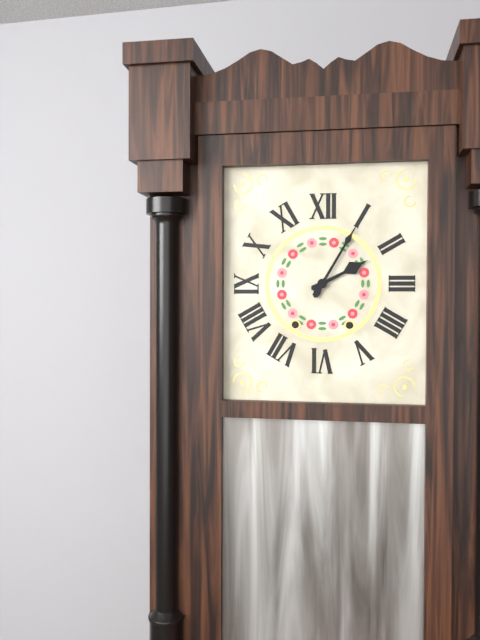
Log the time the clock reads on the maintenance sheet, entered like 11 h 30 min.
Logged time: 2 h 05 min
